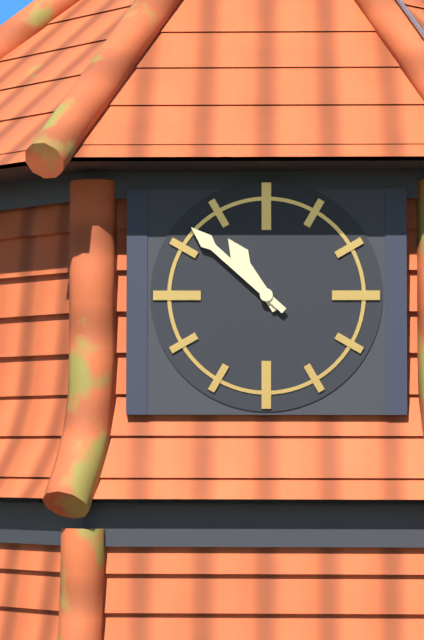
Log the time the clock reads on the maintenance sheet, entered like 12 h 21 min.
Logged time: 10 h 52 min
